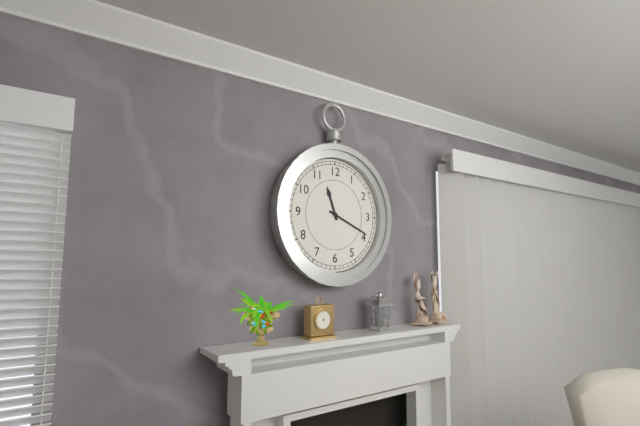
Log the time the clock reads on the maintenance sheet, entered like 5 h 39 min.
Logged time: 11 h 19 min
